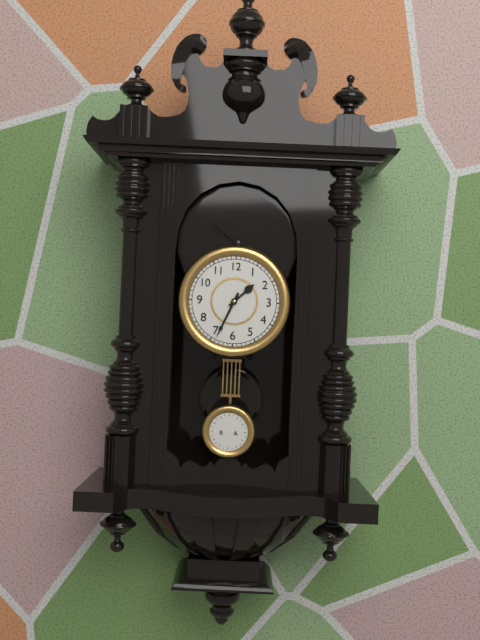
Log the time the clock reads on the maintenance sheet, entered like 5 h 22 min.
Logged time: 1 h 34 min
